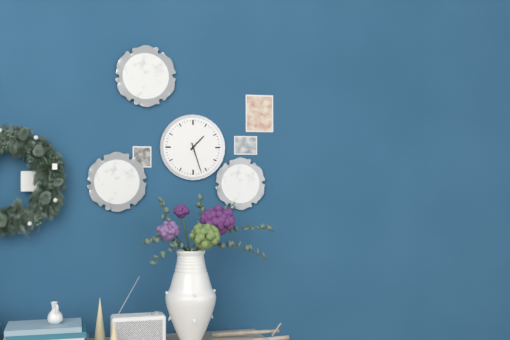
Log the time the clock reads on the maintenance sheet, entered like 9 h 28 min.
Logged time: 1 h 27 min
